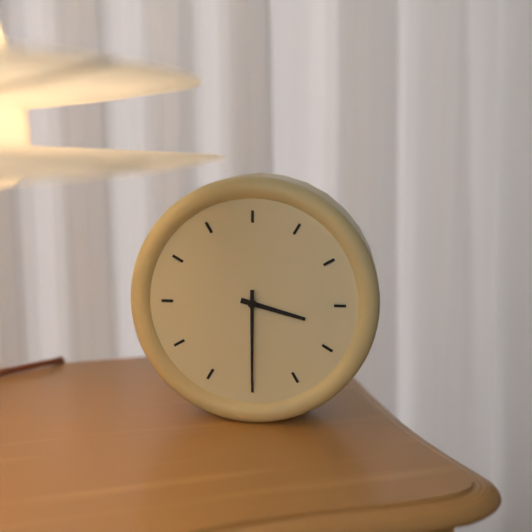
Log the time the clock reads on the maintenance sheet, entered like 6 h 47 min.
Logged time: 3 h 30 min
